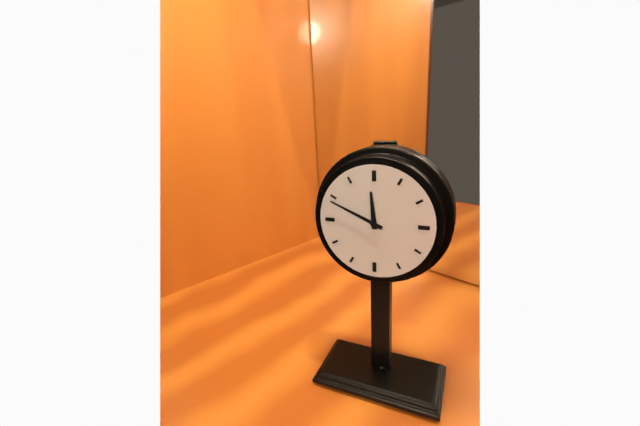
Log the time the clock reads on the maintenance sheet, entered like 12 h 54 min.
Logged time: 11 h 49 min
